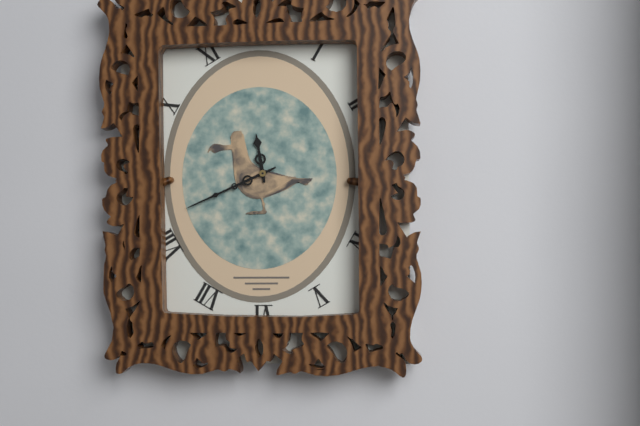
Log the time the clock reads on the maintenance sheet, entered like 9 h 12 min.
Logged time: 11 h 41 min
